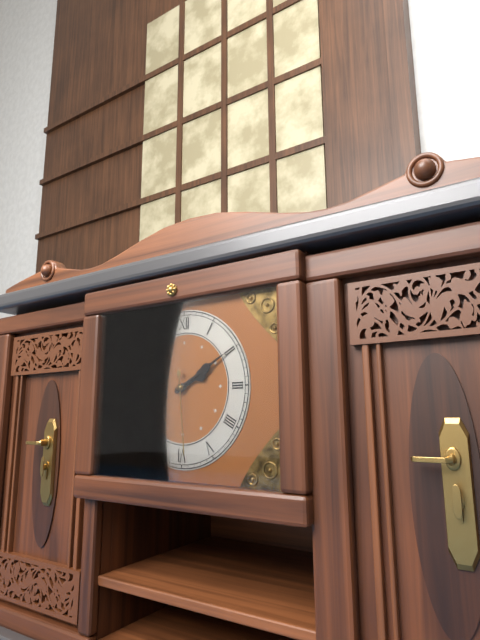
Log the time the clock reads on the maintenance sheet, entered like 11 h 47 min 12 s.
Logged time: 2 h 10 min 29 s
